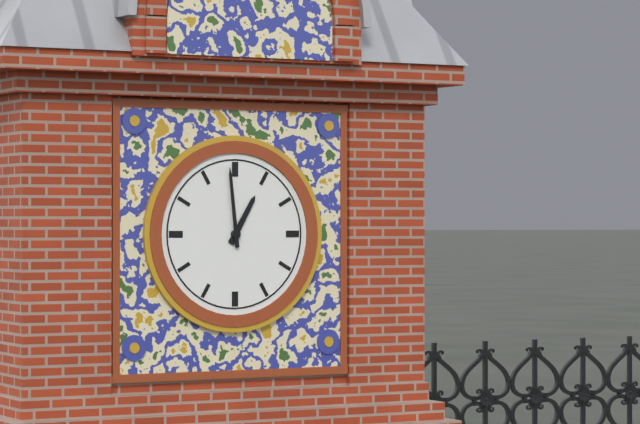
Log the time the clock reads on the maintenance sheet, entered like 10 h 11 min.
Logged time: 12 h 59 min
